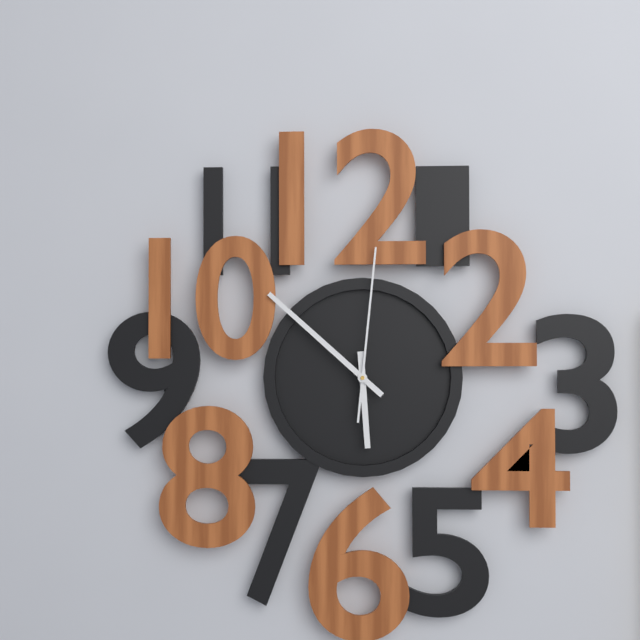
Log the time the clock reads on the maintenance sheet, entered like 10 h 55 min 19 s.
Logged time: 5 h 52 min 01 s
